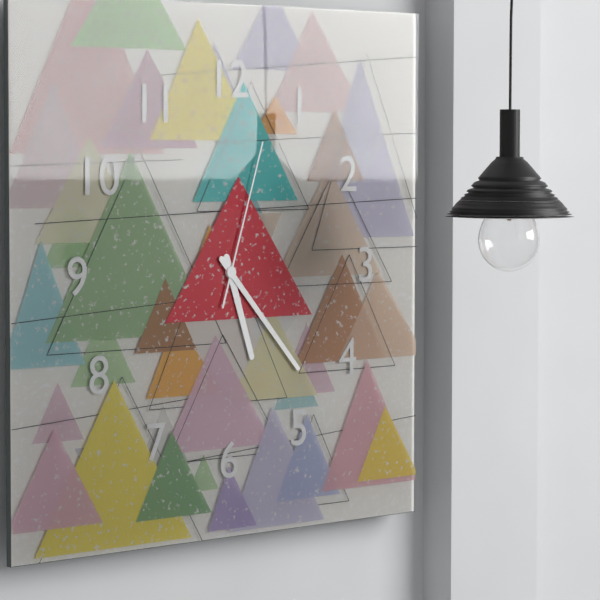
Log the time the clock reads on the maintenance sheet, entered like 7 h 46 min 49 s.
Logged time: 5 h 23 min 03 s
